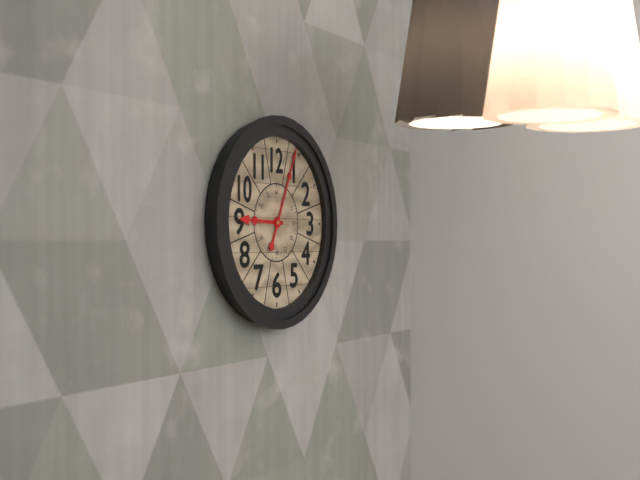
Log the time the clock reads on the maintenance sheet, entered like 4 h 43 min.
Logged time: 9 h 04 min
